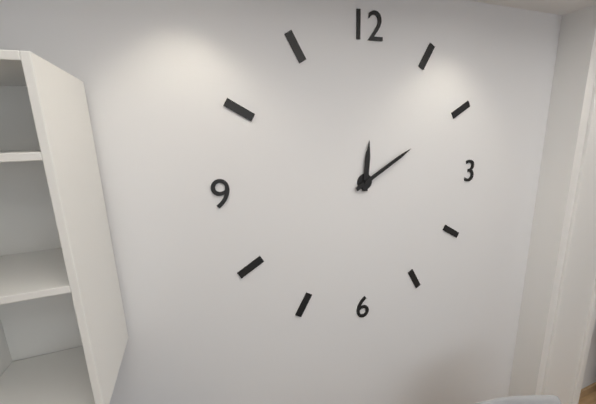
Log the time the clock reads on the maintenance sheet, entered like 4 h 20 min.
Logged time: 12 h 10 min
